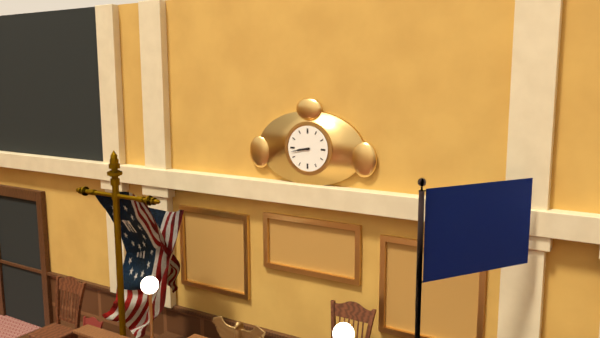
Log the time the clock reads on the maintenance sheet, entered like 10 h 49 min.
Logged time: 8 h 43 min
